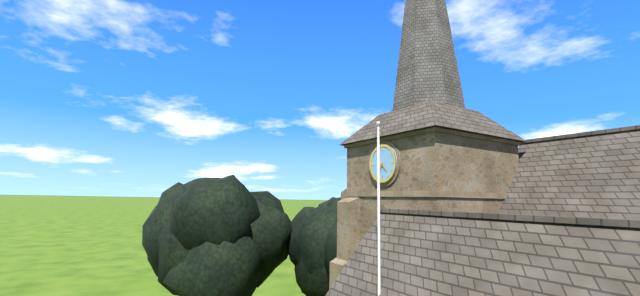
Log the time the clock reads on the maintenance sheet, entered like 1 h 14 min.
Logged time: 4 h 35 min
